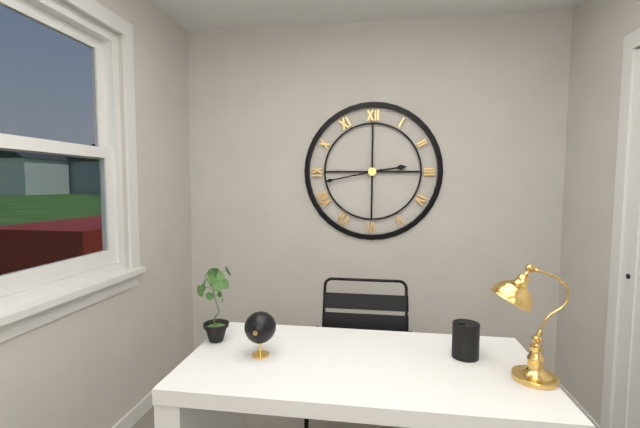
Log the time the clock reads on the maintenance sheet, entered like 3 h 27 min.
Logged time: 2 h 43 min
